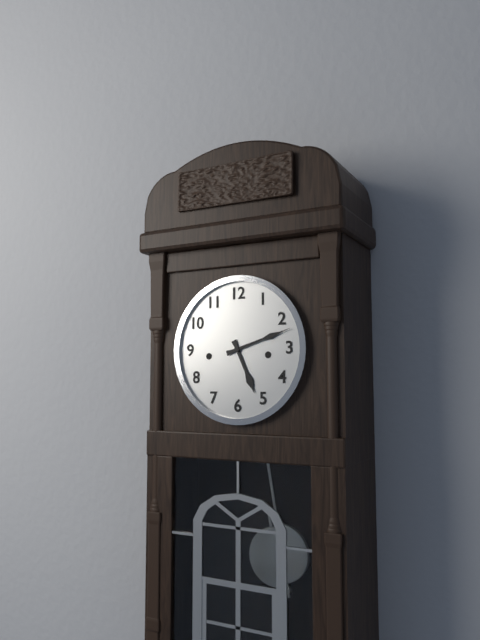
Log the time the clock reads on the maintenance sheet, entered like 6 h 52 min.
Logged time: 5 h 12 min
